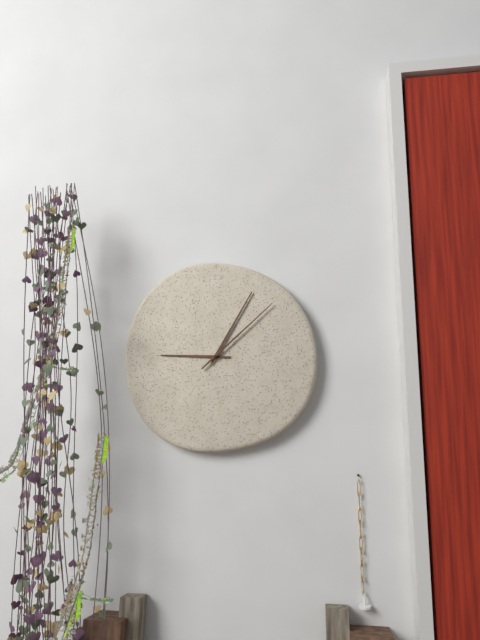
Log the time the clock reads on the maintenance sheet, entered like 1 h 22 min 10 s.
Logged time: 9 h 05 min 08 s
